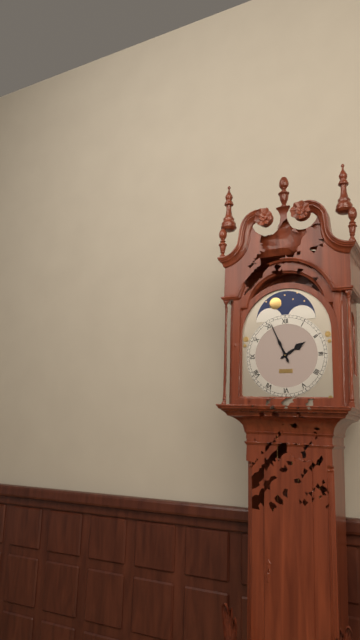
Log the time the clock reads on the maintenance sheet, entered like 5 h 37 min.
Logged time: 1 h 56 min
